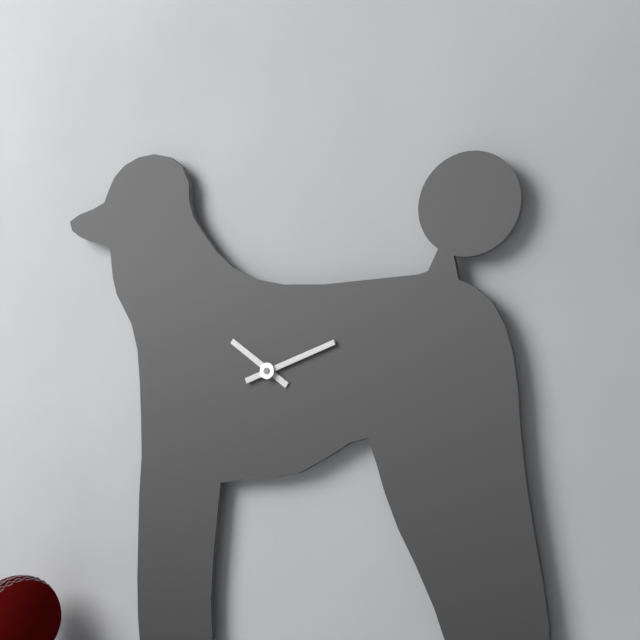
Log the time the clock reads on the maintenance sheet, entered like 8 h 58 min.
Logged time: 10 h 12 min
